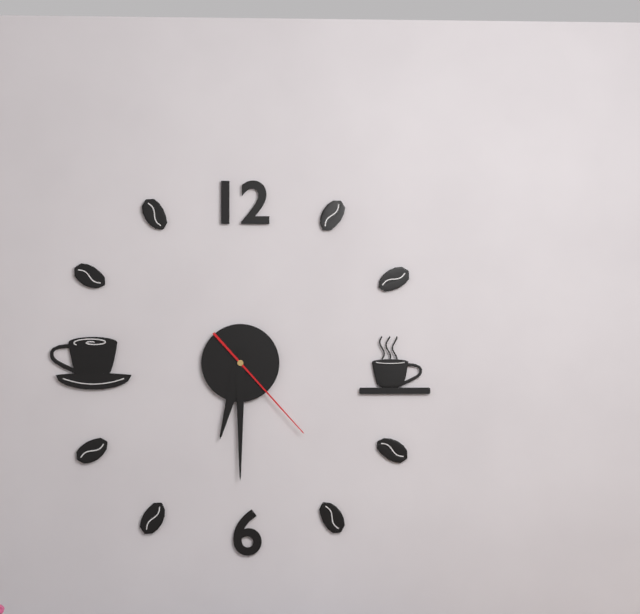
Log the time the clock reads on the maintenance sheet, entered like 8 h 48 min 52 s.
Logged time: 6 h 30 min 23 s
